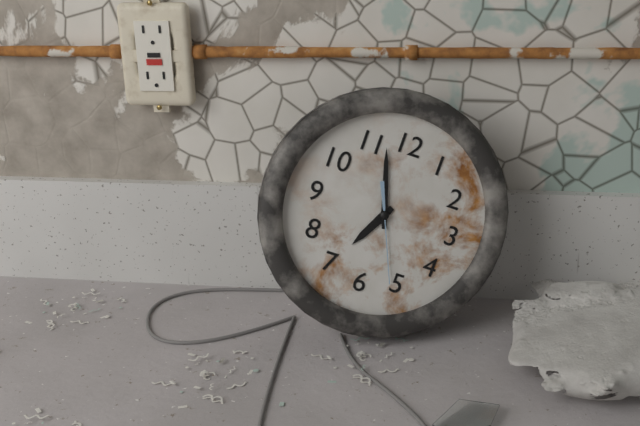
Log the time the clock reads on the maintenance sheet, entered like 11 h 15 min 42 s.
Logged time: 6 h 57 min 26 s
